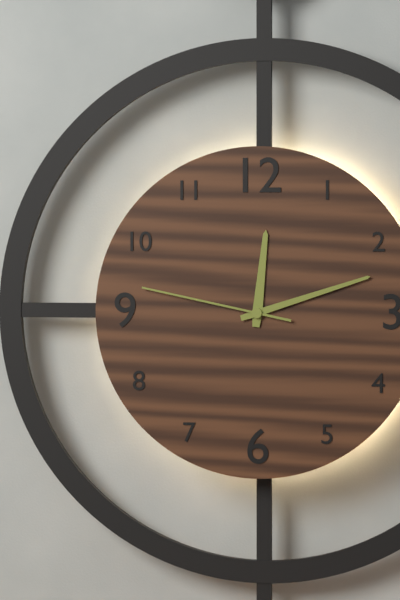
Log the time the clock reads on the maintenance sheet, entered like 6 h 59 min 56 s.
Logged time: 12 h 12 min 47 s
